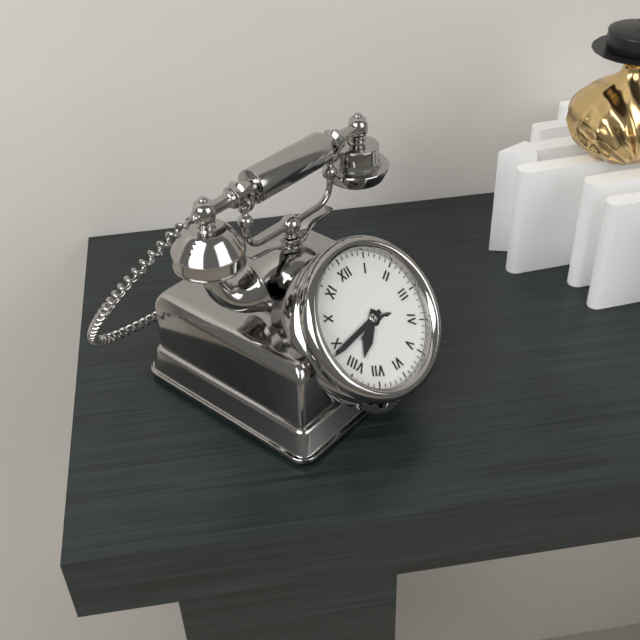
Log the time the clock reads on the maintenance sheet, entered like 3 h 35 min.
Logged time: 7 h 44 min
